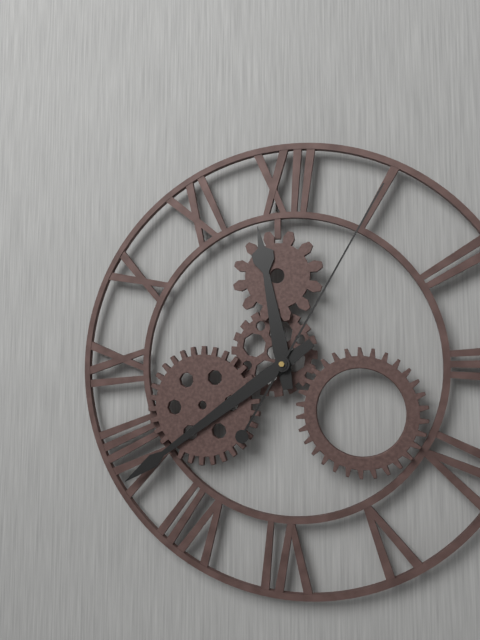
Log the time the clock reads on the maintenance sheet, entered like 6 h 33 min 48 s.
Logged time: 11 h 39 min 05 s
